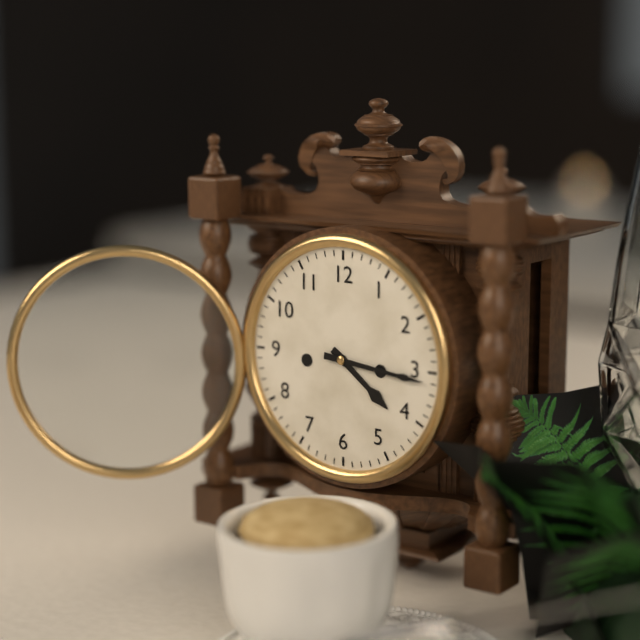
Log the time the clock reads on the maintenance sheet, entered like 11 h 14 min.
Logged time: 4 h 16 min
